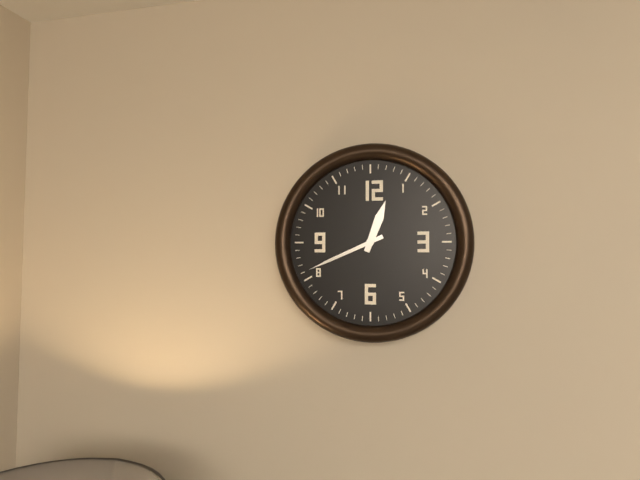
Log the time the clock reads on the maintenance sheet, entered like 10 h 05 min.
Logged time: 12 h 41 min
